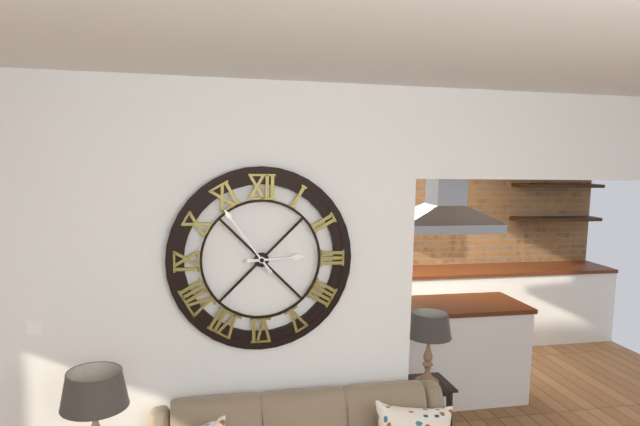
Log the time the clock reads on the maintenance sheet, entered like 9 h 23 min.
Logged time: 2 h 54 min
